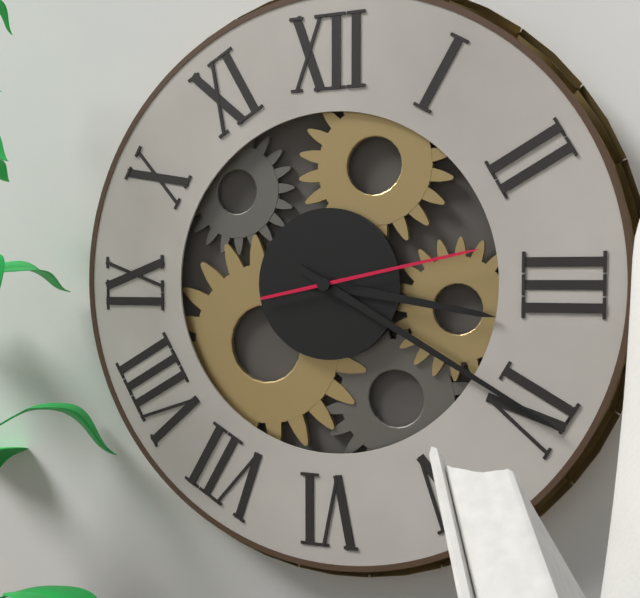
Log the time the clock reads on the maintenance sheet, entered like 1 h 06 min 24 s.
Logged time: 3 h 20 min 13 s
